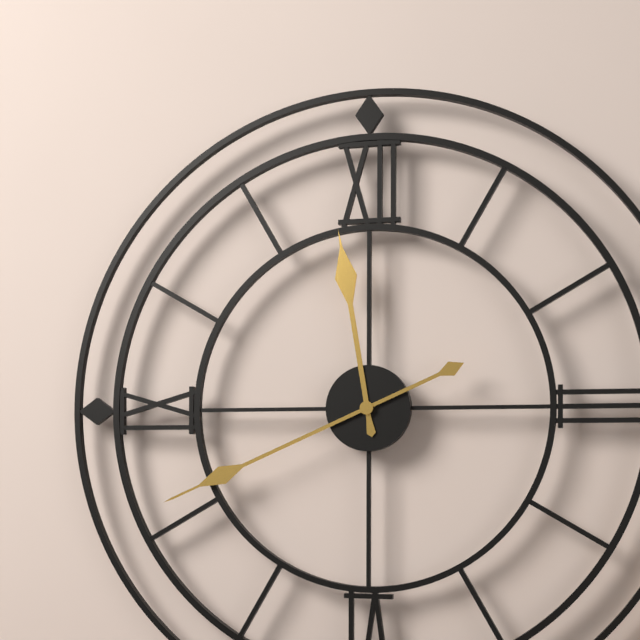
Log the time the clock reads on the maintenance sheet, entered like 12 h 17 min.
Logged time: 11 h 41 min
